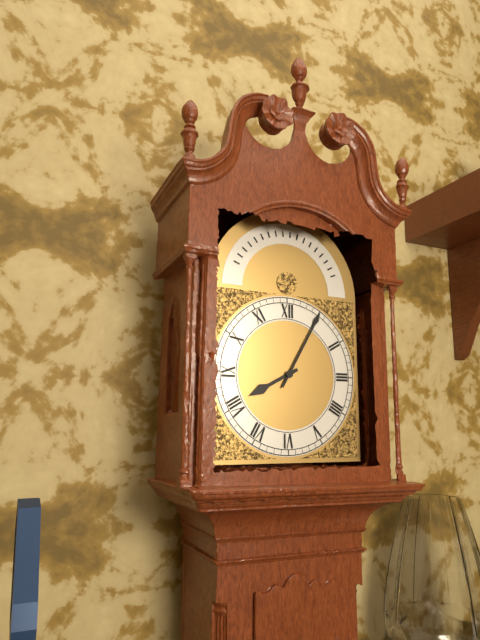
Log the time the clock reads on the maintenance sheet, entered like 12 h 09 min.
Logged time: 8 h 05 min
